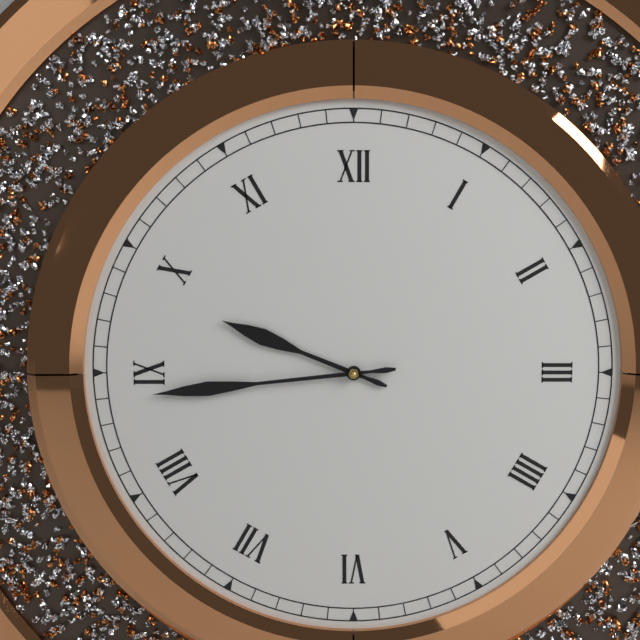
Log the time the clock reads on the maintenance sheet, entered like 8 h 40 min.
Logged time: 9 h 44 min
